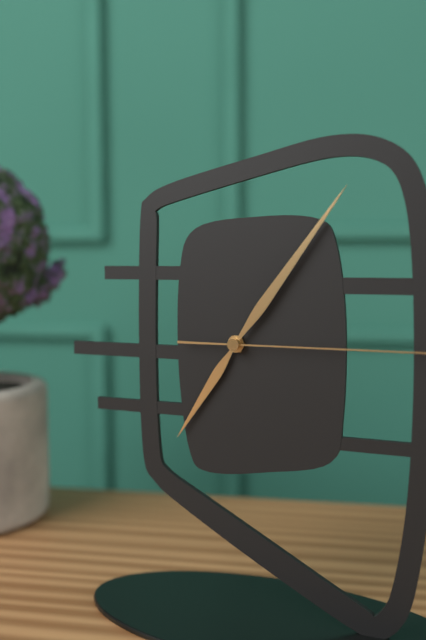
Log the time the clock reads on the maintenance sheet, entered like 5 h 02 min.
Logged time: 7 h 06 min
